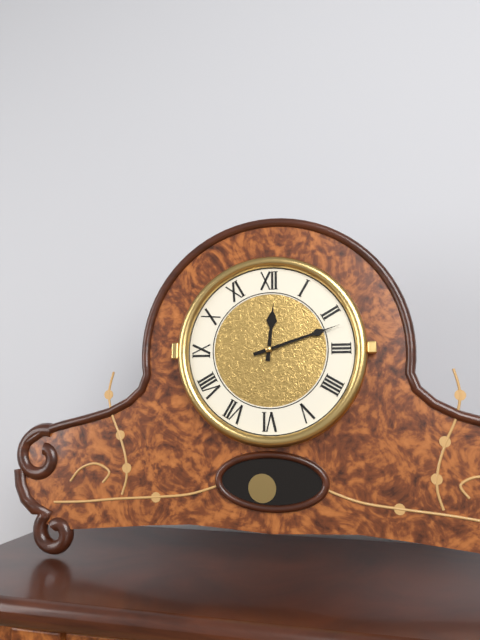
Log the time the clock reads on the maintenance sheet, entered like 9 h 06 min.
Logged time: 12 h 12 min
